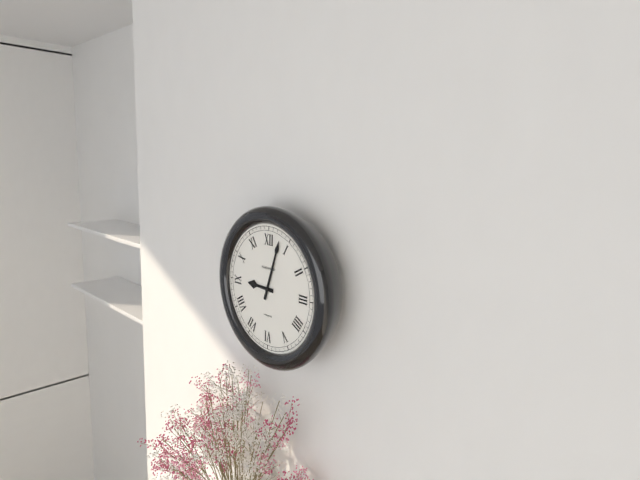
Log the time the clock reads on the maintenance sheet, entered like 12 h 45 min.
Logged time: 9 h 03 min
